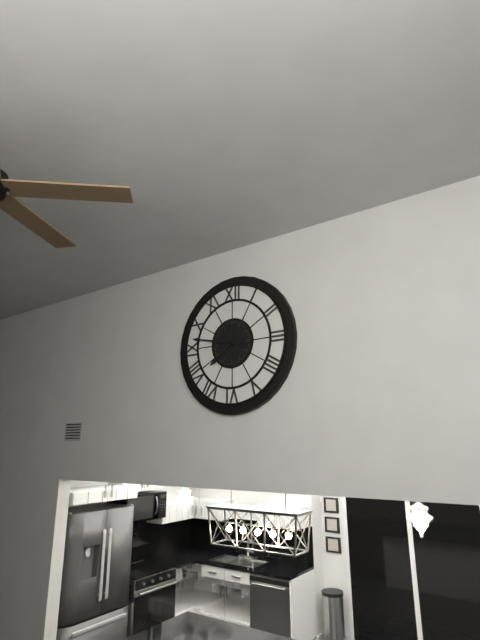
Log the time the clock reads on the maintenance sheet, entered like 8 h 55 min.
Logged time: 7 h 47 min
